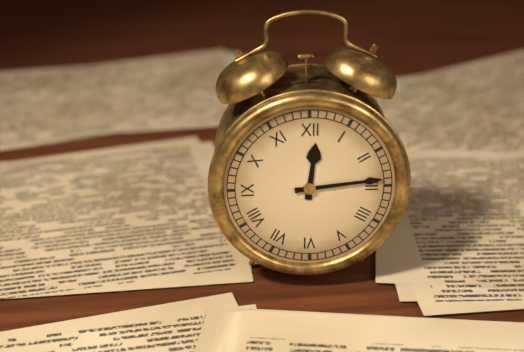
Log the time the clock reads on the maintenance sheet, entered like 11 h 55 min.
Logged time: 12 h 14 min
